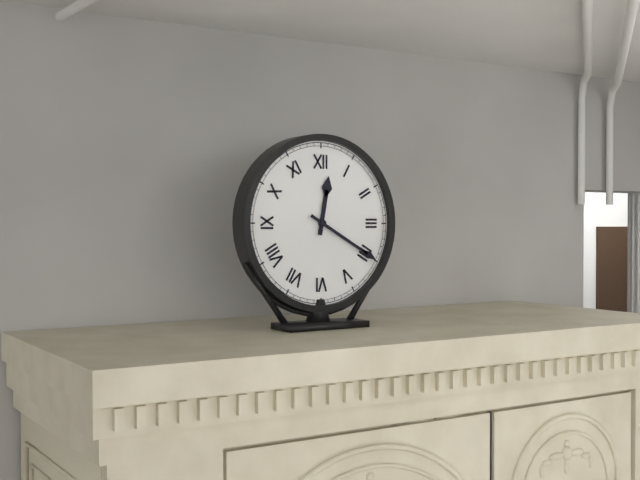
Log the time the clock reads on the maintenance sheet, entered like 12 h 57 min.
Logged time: 12 h 20 min
